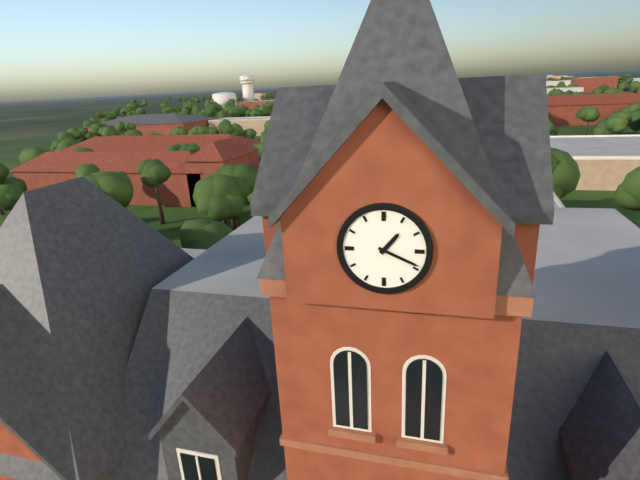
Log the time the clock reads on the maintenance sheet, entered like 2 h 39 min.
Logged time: 1 h 19 min
